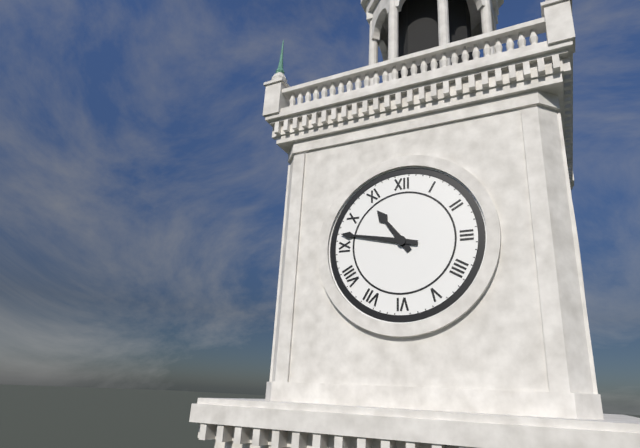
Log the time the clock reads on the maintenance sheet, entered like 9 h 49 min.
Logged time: 10 h 47 min
